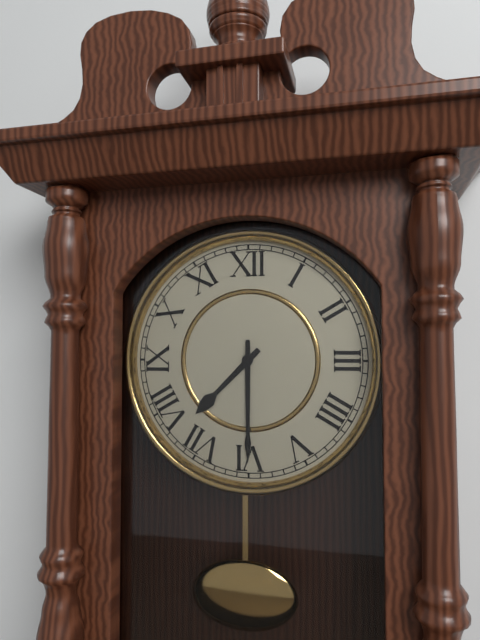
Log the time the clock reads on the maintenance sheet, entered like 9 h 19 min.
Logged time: 7 h 30 min
